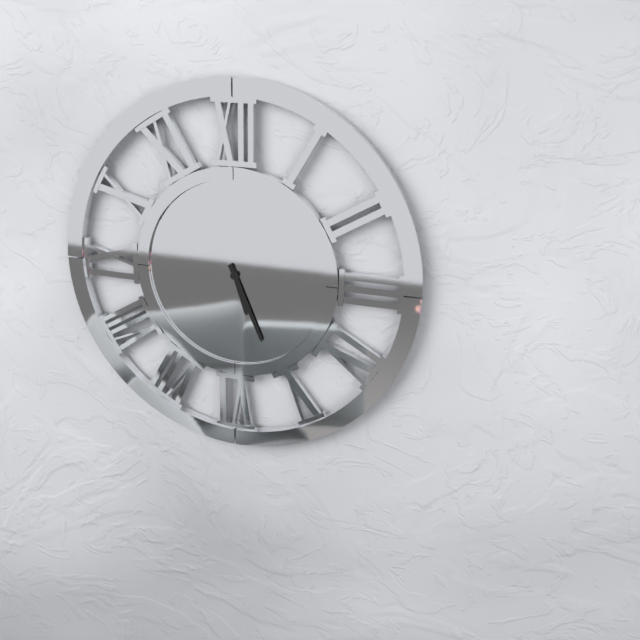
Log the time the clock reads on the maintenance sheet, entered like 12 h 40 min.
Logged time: 5 h 26 min
